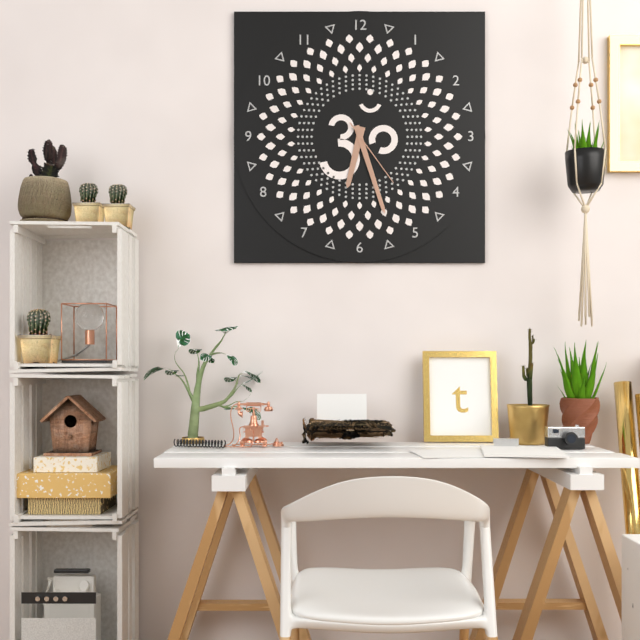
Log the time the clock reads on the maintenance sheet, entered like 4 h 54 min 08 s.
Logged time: 6 h 27 min 24 s
